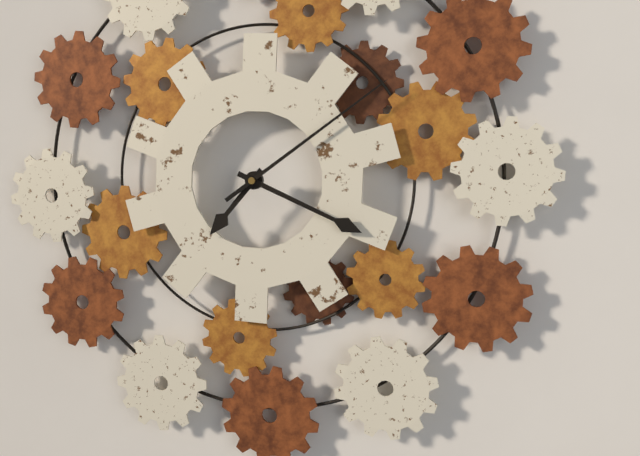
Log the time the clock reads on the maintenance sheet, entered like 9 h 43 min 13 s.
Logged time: 7 h 19 min 09 s
